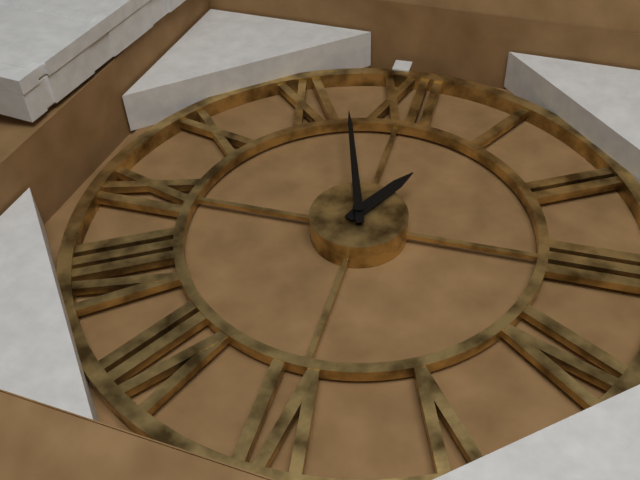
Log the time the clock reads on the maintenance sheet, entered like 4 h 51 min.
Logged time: 12 h 57 min
